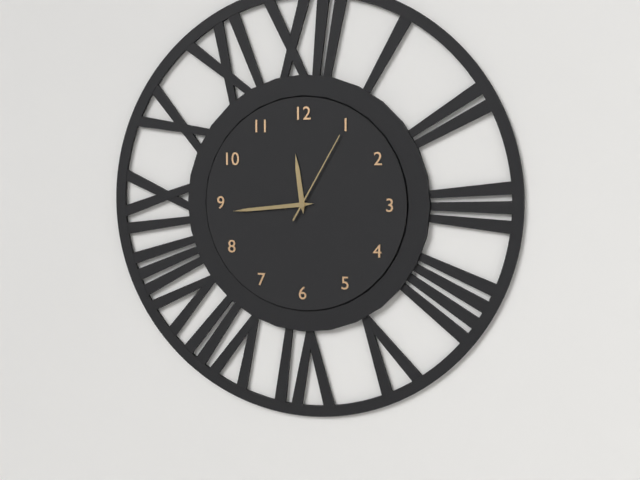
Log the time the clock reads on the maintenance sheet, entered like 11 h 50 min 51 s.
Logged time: 11 h 44 min 05 s
